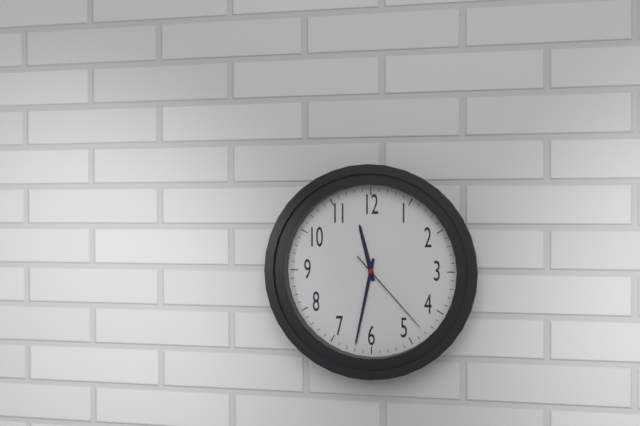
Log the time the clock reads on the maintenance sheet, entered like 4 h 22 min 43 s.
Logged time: 11 h 32 min 23 s
